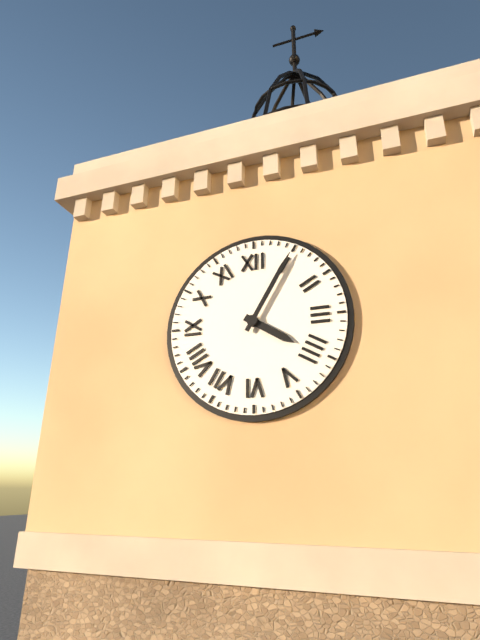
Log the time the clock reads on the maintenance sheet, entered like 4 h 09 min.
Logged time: 4 h 05 min
